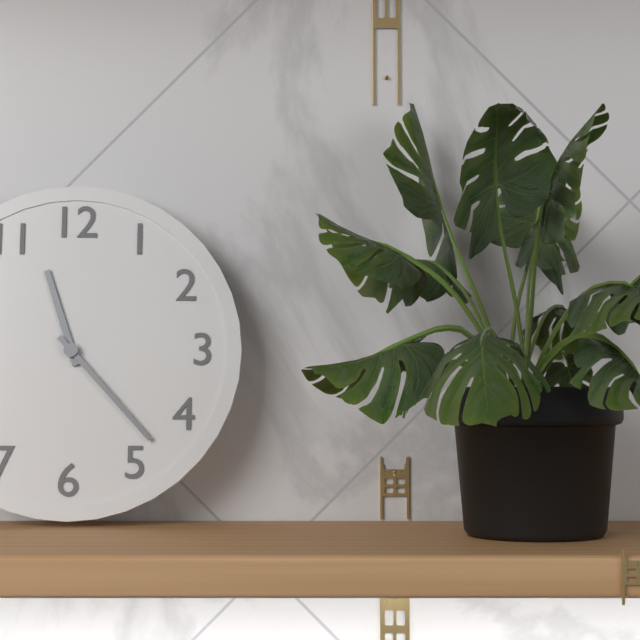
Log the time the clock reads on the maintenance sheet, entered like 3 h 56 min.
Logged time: 11 h 23 min
